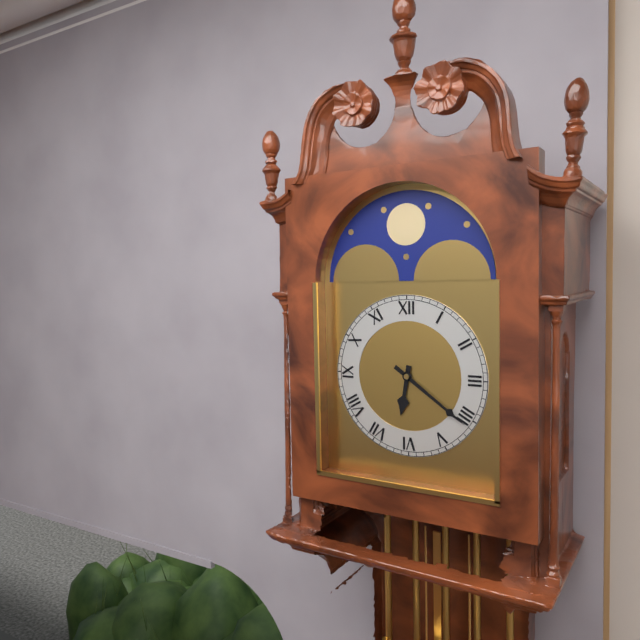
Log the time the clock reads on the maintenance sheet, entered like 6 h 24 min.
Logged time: 6 h 21 min
